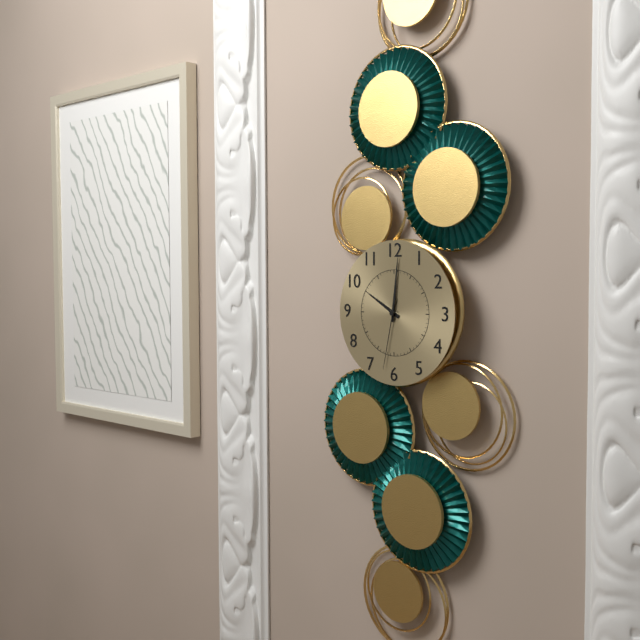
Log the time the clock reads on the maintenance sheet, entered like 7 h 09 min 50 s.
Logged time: 10 h 01 min 32 s
